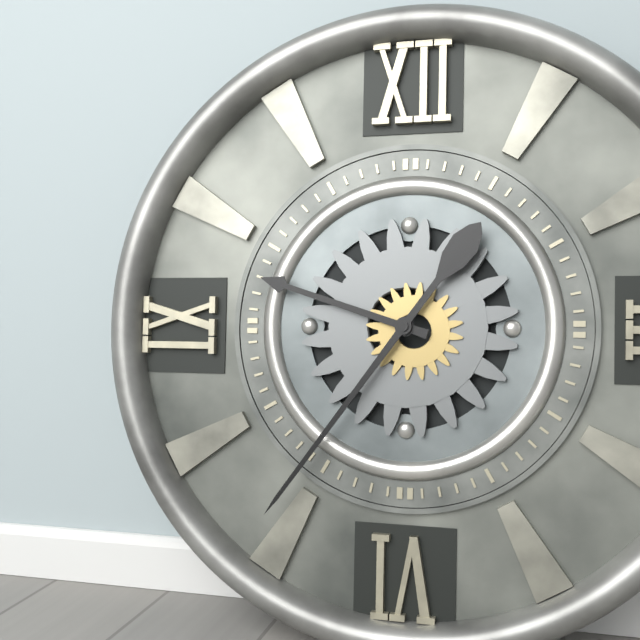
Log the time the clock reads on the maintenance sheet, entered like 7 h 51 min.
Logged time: 9 h 36 min
